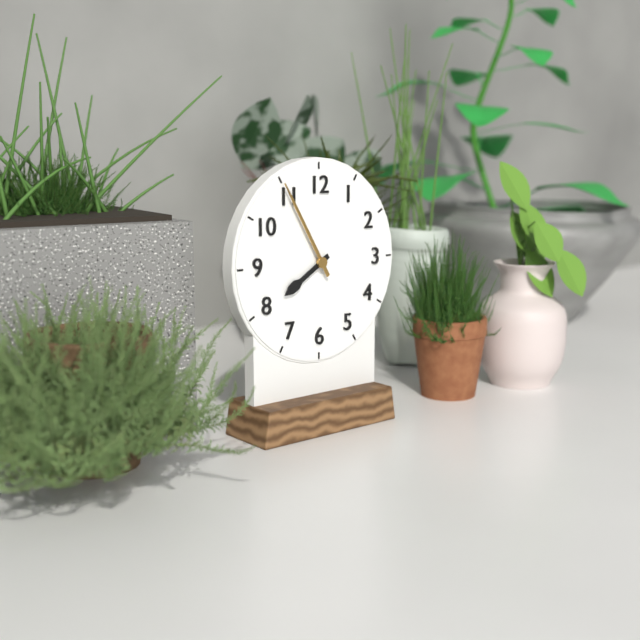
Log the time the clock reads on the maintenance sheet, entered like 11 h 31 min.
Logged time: 7 h 55 min
